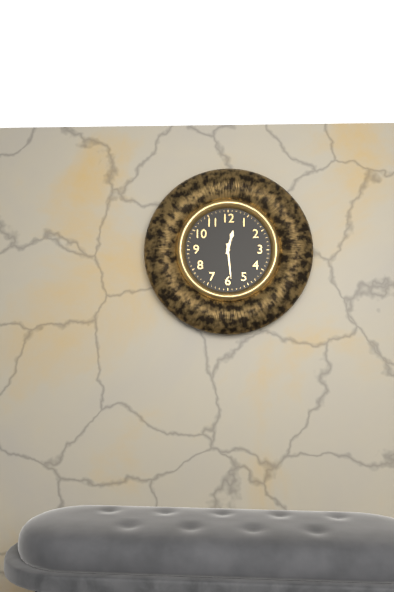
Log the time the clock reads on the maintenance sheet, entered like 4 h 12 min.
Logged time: 12 h 29 min
